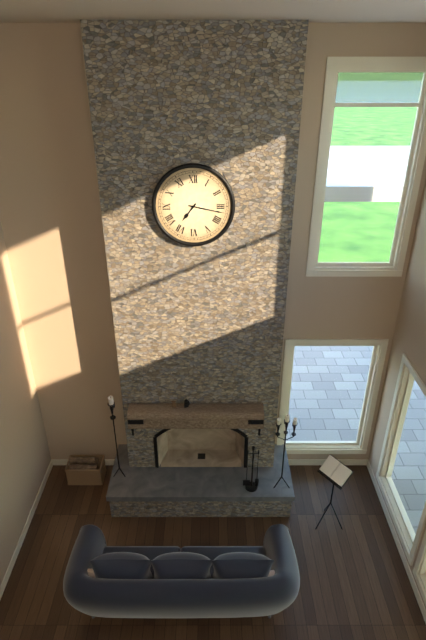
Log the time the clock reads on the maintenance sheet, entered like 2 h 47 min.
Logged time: 7 h 17 min
